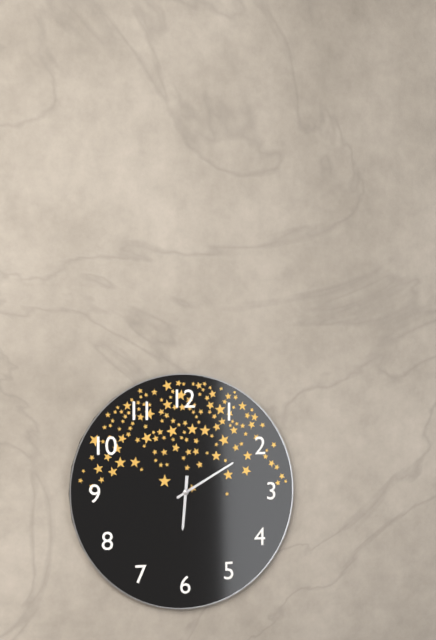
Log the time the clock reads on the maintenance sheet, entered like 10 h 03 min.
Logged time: 6 h 10 min
